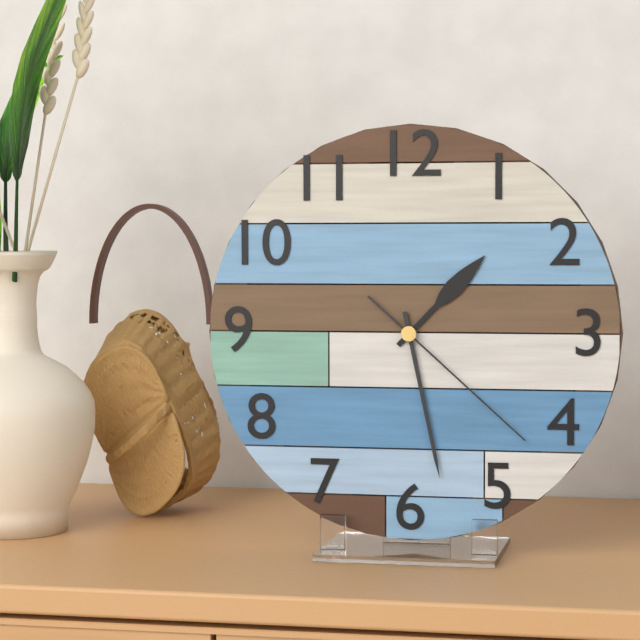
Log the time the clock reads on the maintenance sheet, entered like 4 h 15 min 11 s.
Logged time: 1 h 28 min 22 s
